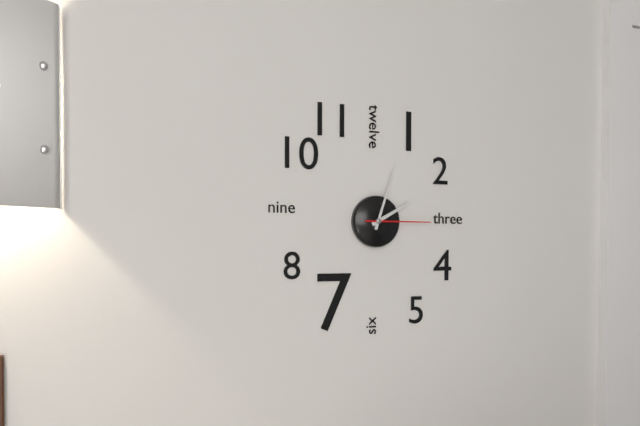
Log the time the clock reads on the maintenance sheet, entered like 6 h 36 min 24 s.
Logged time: 2 h 03 min 15 s
